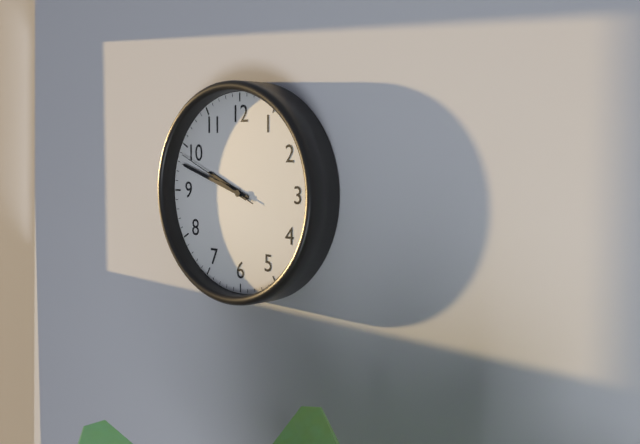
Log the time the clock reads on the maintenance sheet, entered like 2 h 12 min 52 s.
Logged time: 9 h 48 min 49 s
